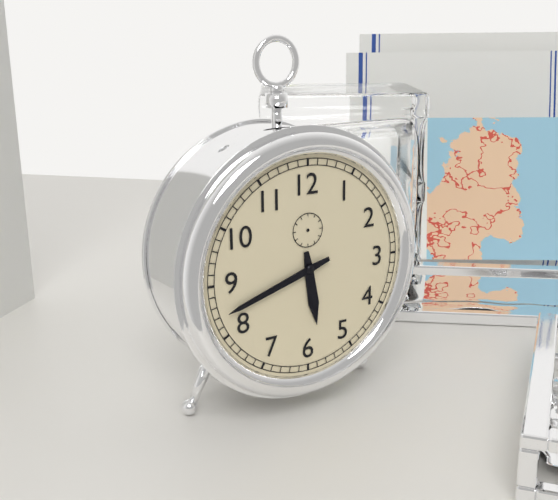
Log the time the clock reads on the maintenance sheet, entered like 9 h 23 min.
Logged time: 5 h 42 min
